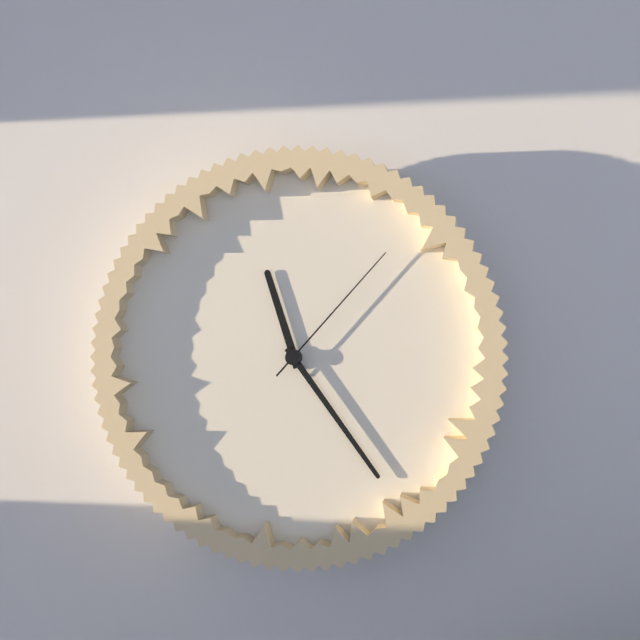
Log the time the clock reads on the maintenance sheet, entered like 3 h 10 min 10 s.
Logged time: 11 h 24 min 07 s
